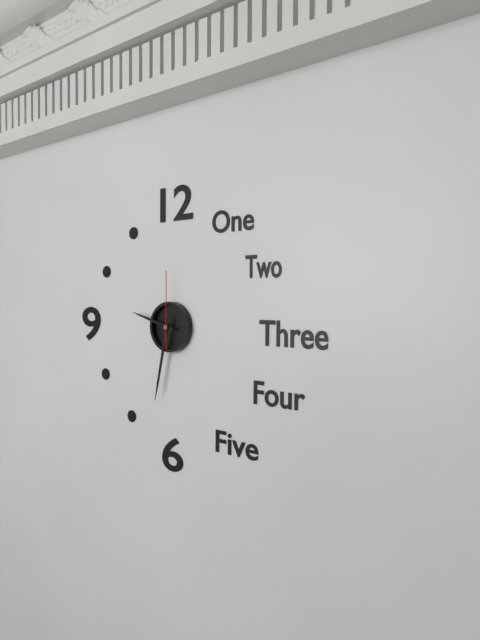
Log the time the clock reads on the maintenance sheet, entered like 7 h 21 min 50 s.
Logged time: 9 h 32 min 00 s
